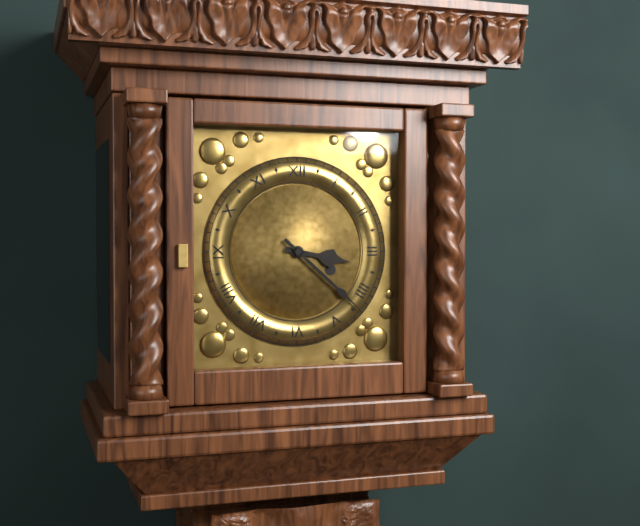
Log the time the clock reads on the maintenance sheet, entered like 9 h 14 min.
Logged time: 3 h 22 min
